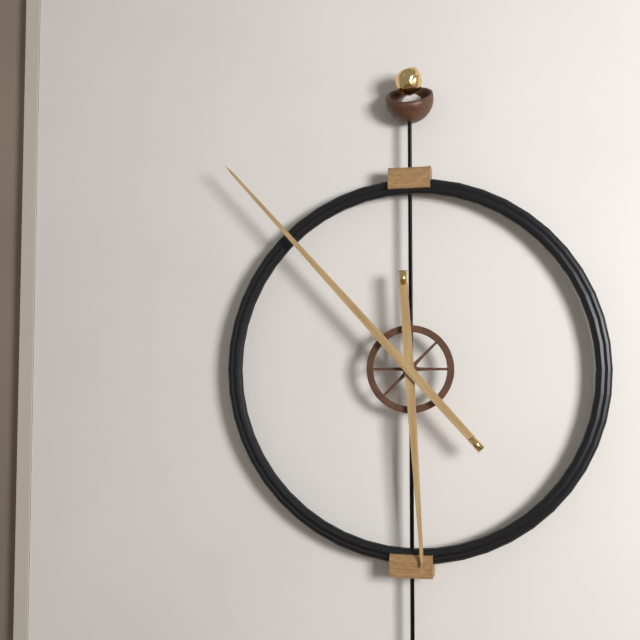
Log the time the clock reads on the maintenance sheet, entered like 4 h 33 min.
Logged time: 5 h 53 min
